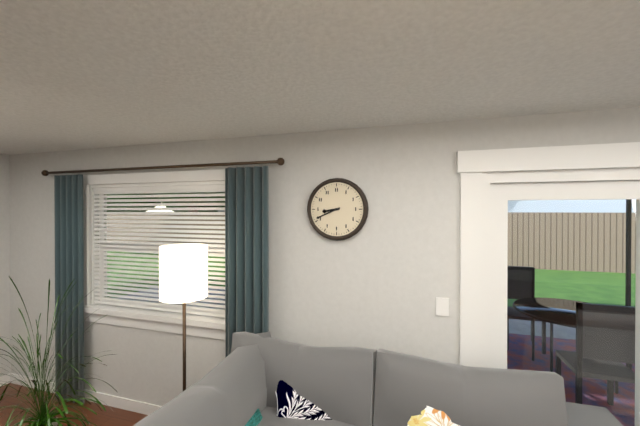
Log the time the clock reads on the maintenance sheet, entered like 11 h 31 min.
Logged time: 8 h 41 min
